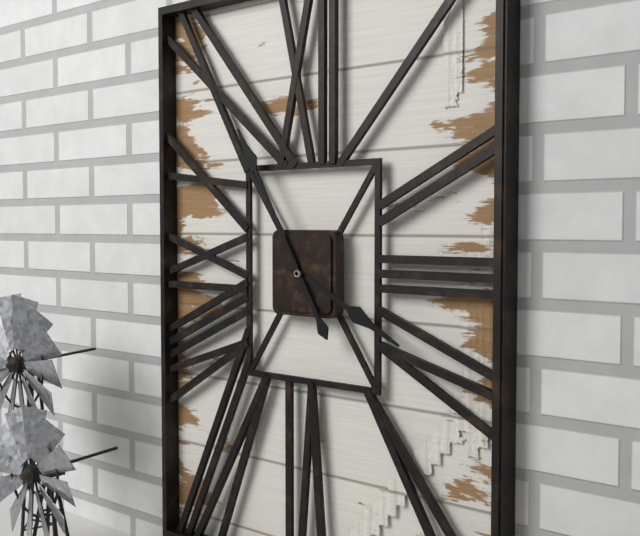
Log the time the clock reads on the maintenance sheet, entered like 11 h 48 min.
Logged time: 3 h 55 min
